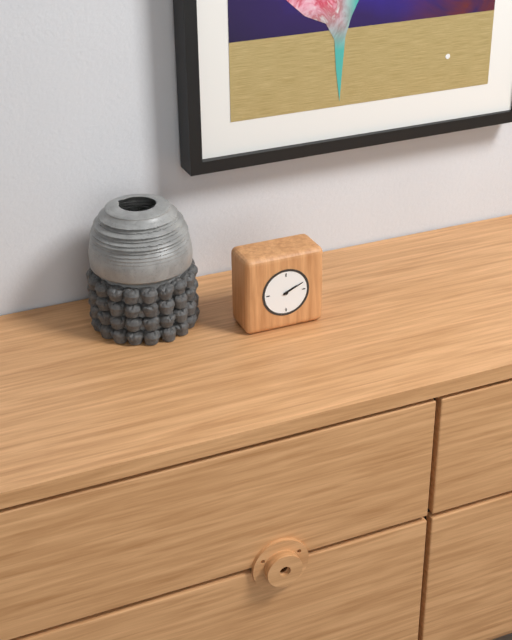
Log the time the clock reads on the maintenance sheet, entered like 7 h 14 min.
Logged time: 2 h 11 min
